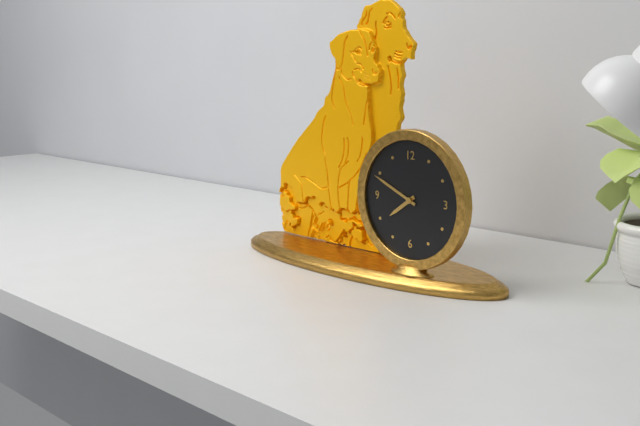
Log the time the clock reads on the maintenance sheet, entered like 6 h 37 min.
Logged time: 7 h 49 min
